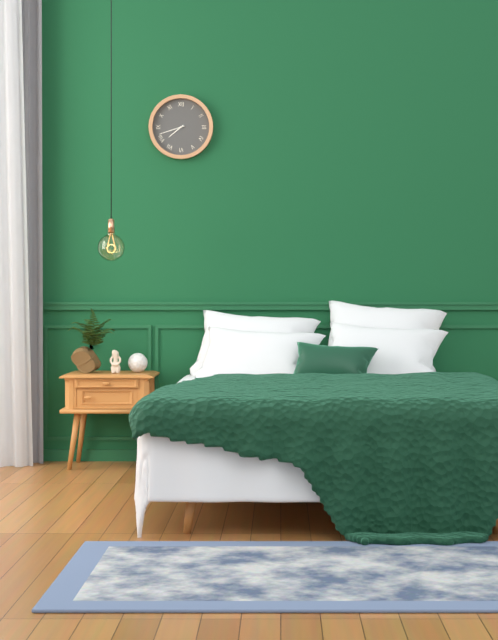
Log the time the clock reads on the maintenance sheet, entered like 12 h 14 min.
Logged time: 7 h 42 min
